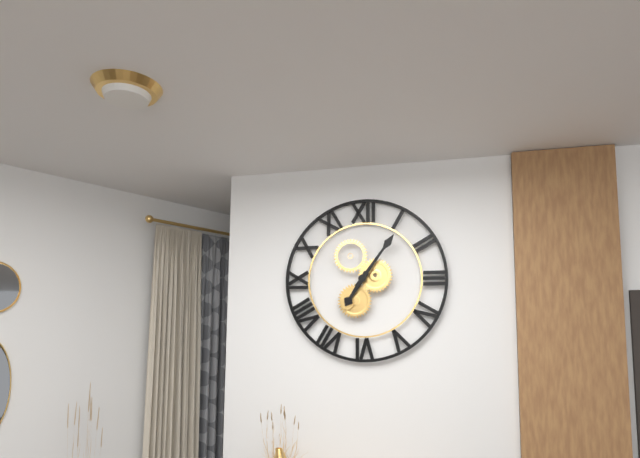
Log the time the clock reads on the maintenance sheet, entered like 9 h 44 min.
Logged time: 7 h 06 min
